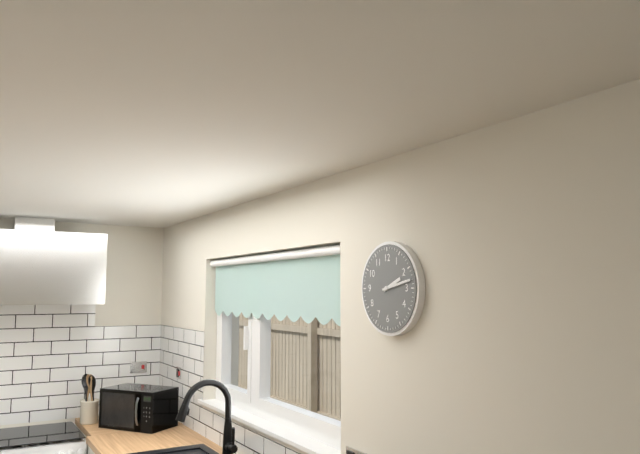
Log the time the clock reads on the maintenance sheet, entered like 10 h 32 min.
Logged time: 2 h 13 min
